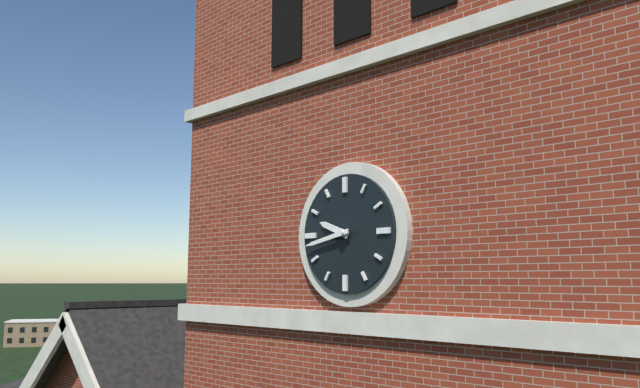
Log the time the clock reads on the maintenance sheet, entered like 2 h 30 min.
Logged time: 9 h 43 min
